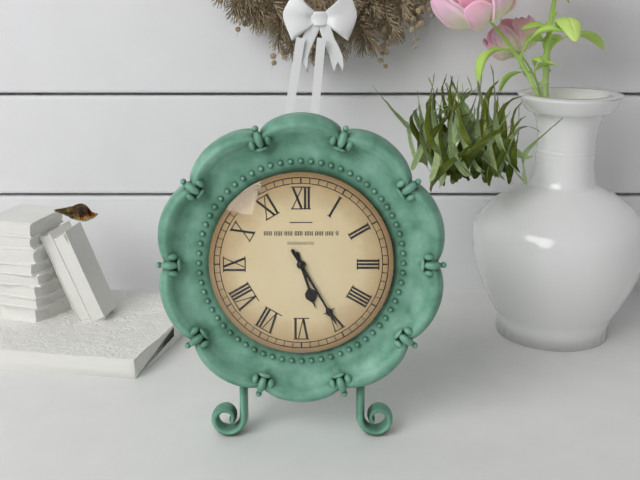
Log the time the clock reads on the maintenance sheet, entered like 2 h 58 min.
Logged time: 5 h 25 min
